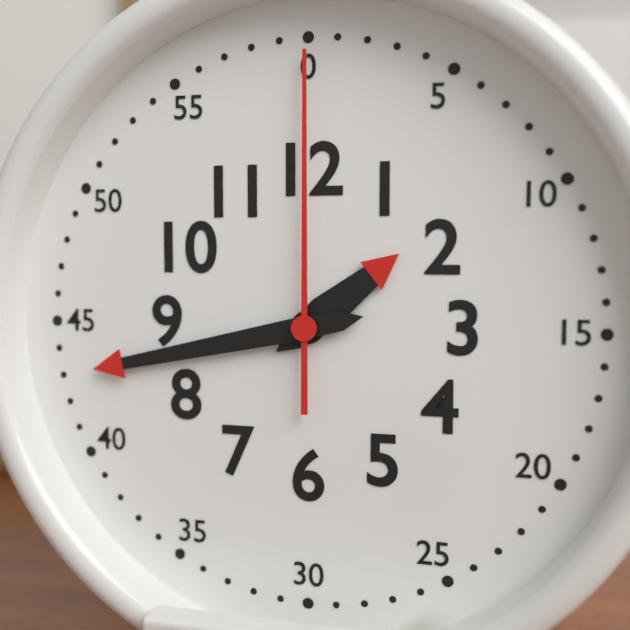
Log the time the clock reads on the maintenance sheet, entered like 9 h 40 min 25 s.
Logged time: 1 h 43 min 00 s
